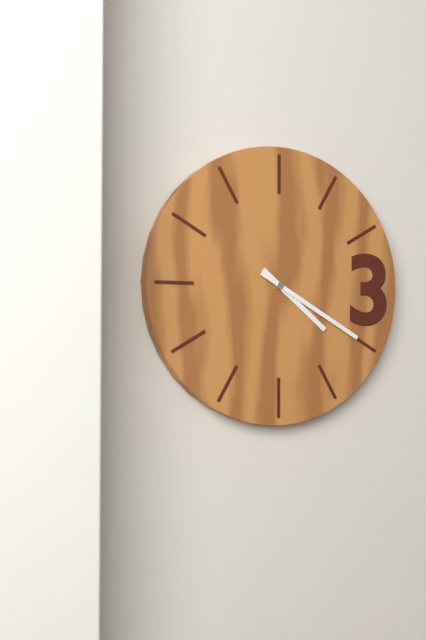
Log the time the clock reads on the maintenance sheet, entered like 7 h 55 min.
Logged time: 4 h 20 min
